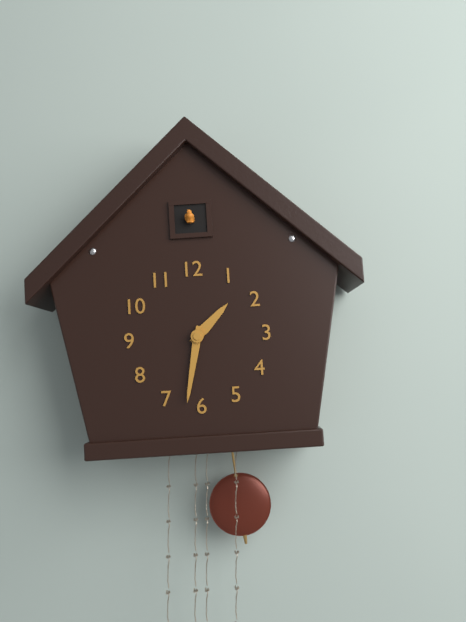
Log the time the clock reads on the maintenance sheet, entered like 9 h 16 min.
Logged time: 1 h 32 min
